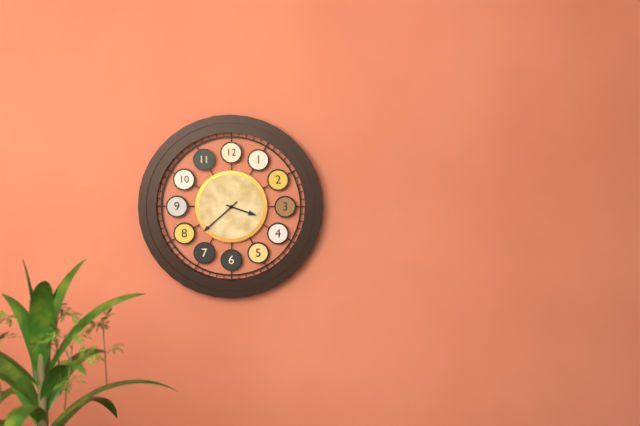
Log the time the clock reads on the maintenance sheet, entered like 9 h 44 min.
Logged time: 3 h 38 min
